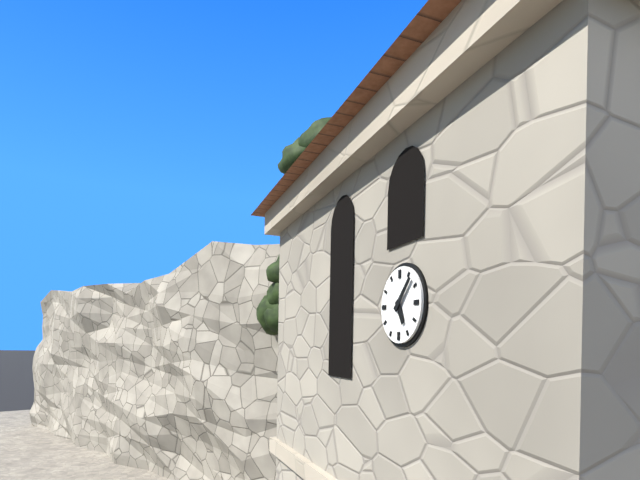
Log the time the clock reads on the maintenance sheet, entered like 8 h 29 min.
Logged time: 5 h 07 min
